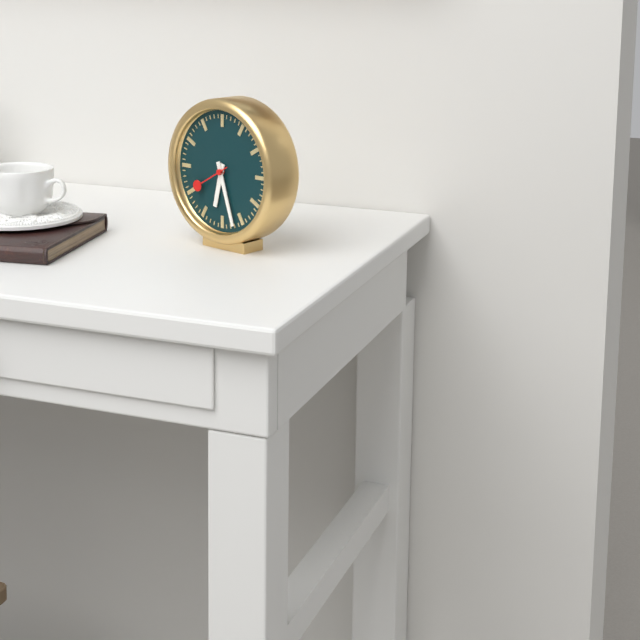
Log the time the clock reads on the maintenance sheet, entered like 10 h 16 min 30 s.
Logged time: 6 h 27 min 40 s
